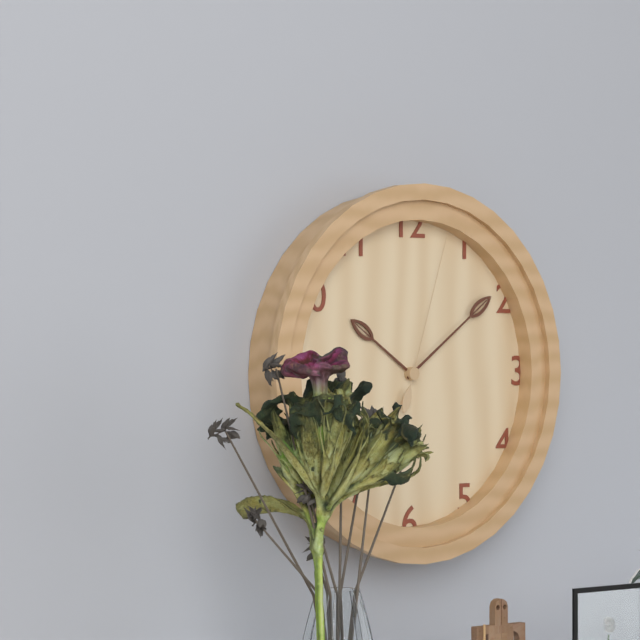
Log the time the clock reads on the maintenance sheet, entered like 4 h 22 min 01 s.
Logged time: 10 h 09 min 03 s
